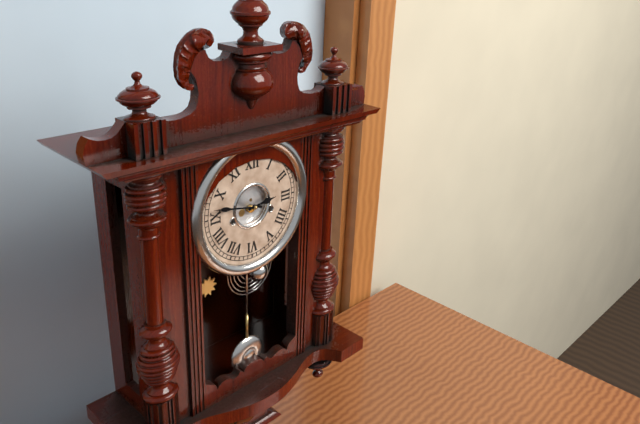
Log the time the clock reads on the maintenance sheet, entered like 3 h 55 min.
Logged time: 2 h 47 min
